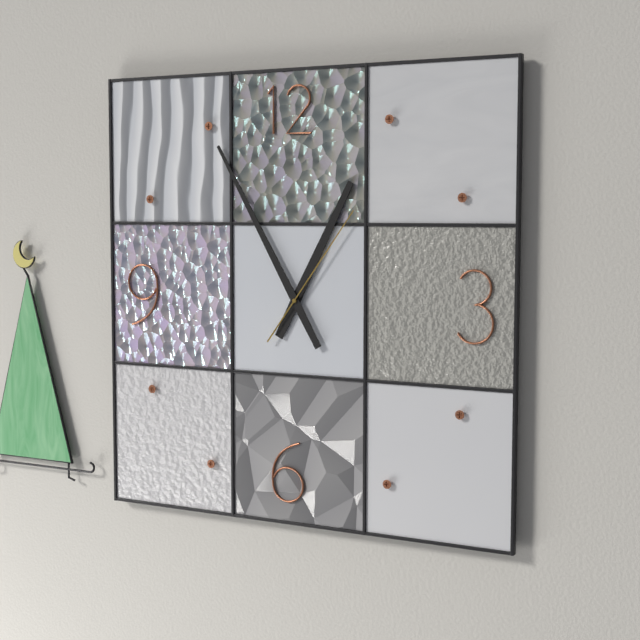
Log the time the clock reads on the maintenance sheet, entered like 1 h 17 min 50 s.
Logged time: 12 h 55 min 06 s
